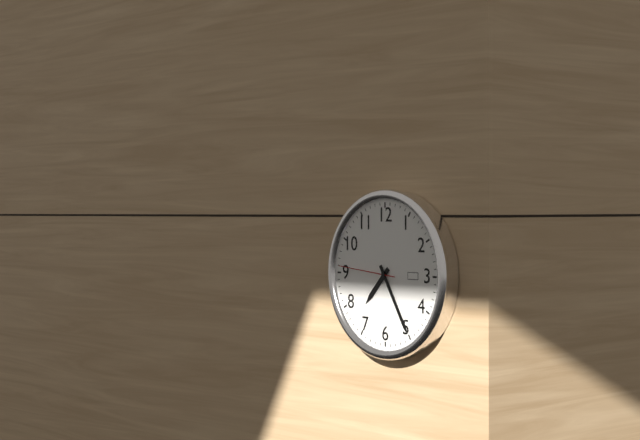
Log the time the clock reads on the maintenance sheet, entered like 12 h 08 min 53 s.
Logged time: 7 h 25 min 46 s
